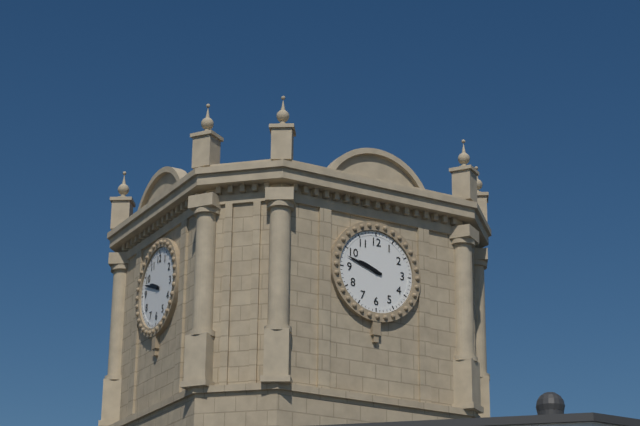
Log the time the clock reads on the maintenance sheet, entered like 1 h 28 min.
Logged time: 9 h 48 min
